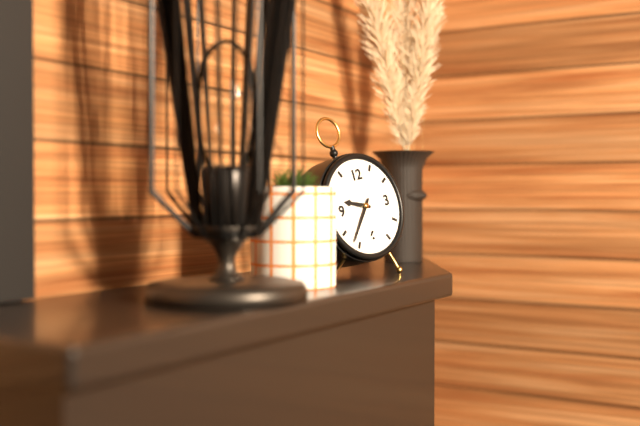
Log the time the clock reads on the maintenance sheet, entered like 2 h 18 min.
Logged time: 9 h 37 min
